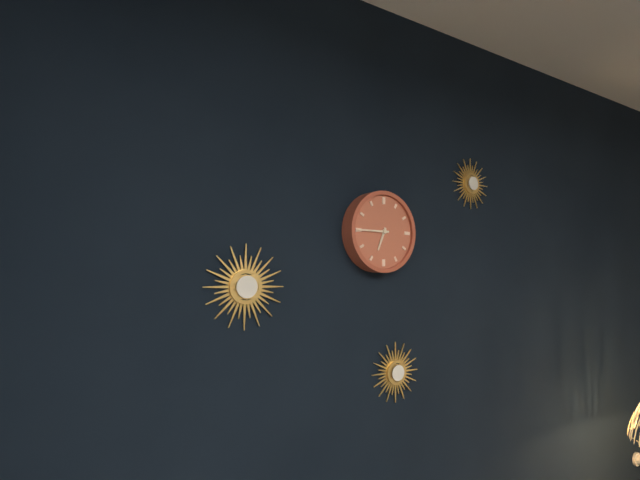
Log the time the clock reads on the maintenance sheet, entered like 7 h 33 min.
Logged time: 6 h 45 min
